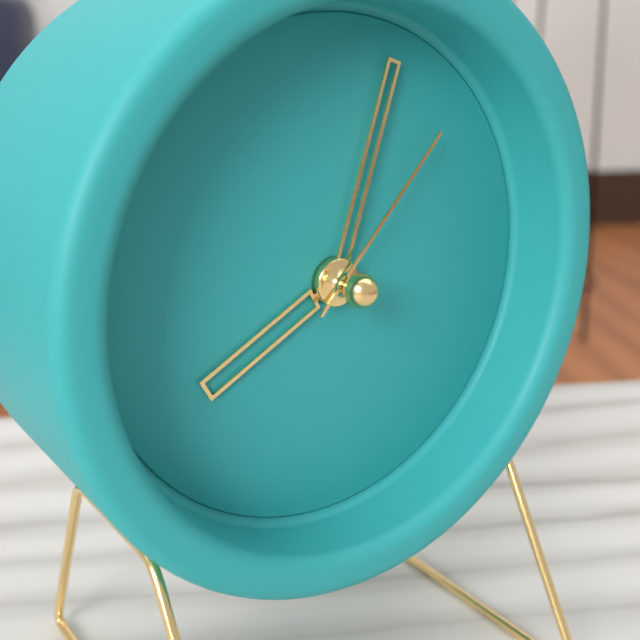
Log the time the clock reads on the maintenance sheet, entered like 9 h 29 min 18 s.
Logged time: 8 h 03 min 07 s
